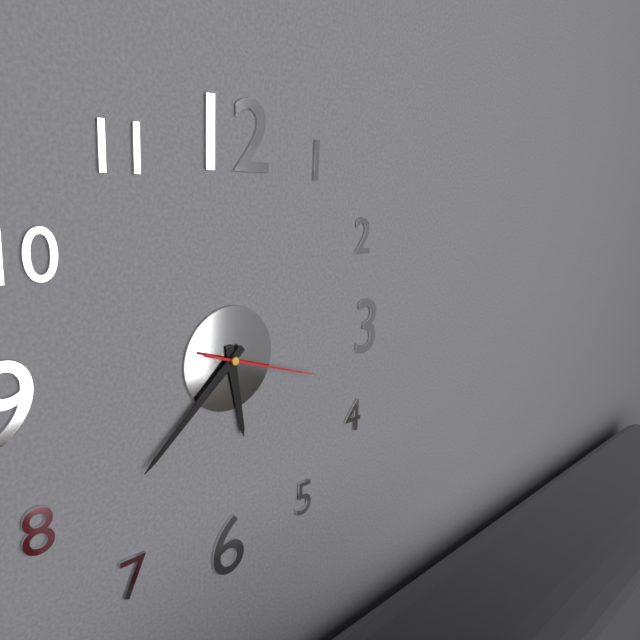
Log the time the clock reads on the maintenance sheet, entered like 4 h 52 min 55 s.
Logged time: 5 h 38 min 18 s
